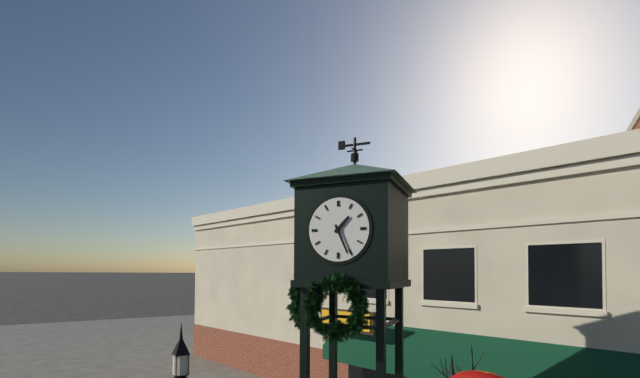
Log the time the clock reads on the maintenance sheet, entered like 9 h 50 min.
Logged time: 1 h 26 min
